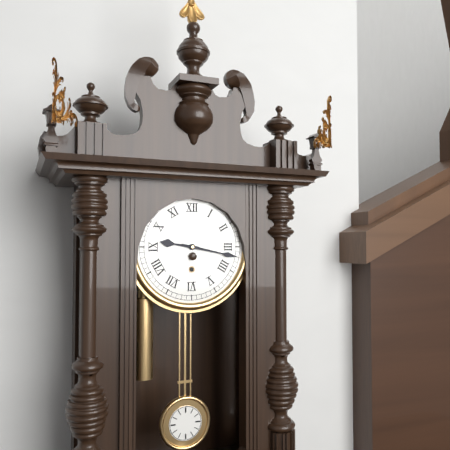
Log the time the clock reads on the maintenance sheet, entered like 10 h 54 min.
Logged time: 9 h 17 min
